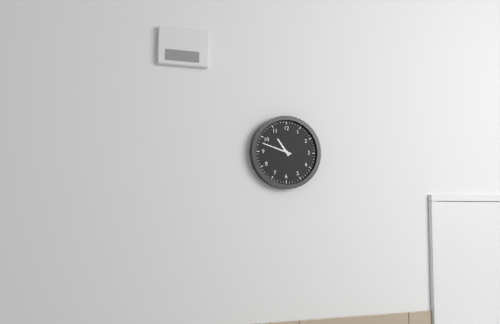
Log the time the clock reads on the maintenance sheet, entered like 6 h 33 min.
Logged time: 10 h 48 min
